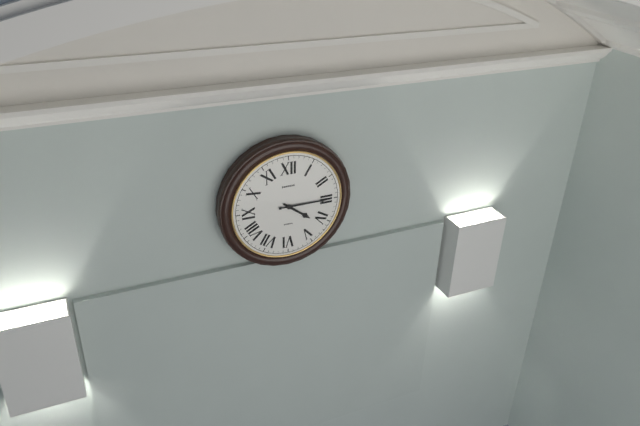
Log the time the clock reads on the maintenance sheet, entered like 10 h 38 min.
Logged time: 4 h 15 min
